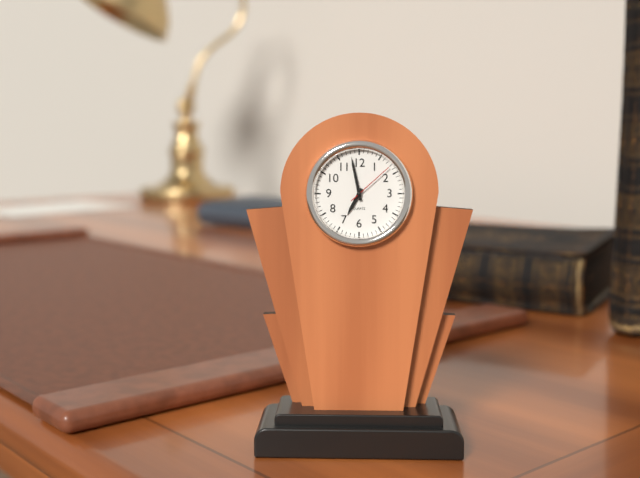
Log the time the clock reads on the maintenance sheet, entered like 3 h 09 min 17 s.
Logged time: 6 h 58 min 08 s
